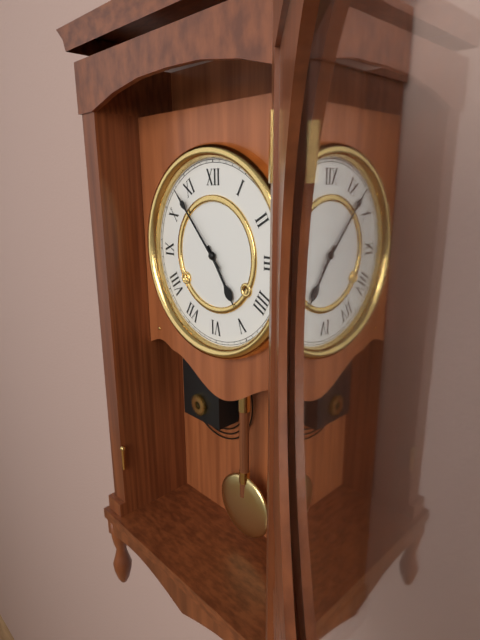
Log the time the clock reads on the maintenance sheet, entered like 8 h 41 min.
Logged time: 4 h 53 min
